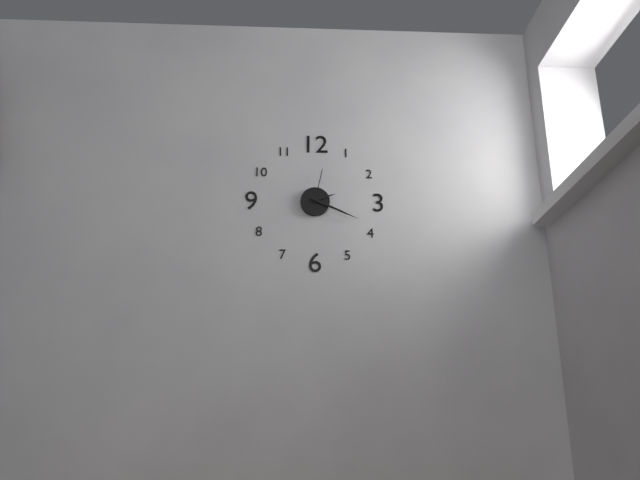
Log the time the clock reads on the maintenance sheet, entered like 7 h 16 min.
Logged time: 2 h 19 min
